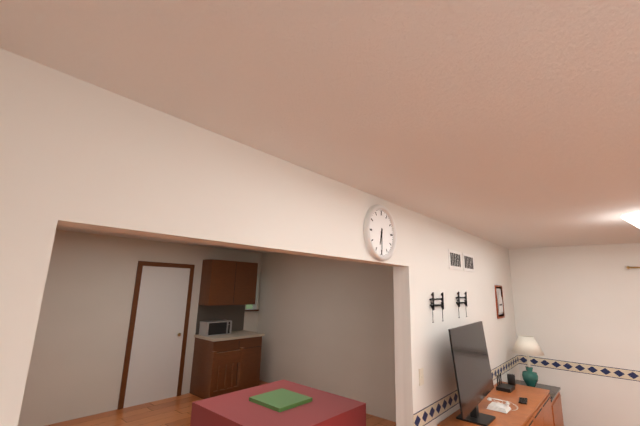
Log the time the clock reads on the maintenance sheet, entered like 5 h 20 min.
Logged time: 6 h 30 min
